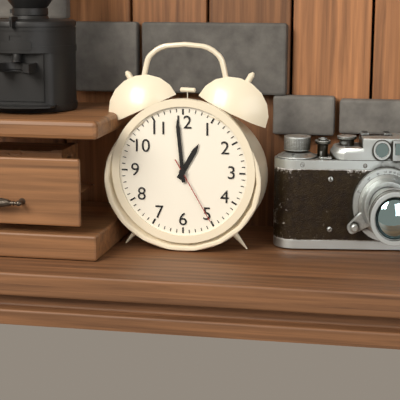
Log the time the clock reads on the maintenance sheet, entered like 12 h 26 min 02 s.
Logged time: 12 h 59 min 25 s
